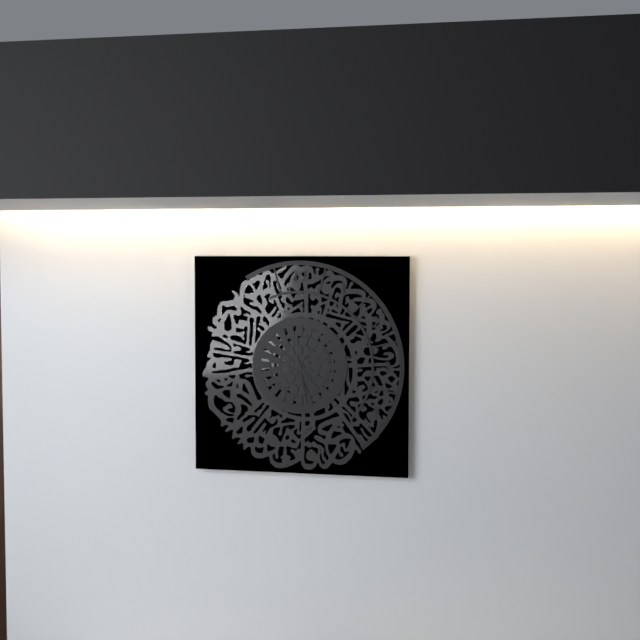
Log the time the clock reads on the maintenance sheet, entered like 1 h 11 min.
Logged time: 4 h 28 min
